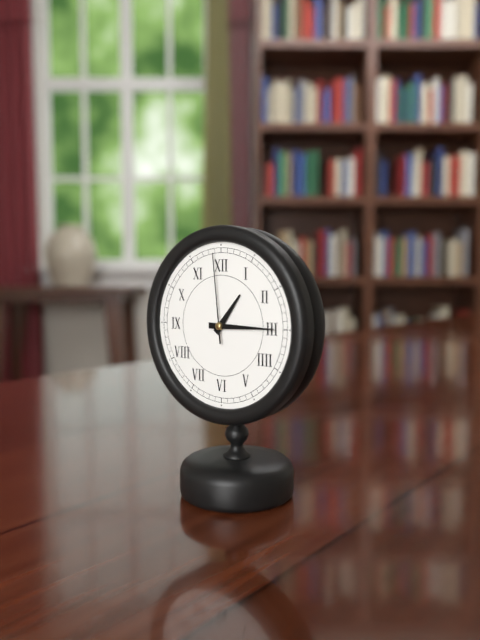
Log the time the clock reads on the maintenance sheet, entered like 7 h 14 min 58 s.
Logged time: 1 h 15 min 59 s
